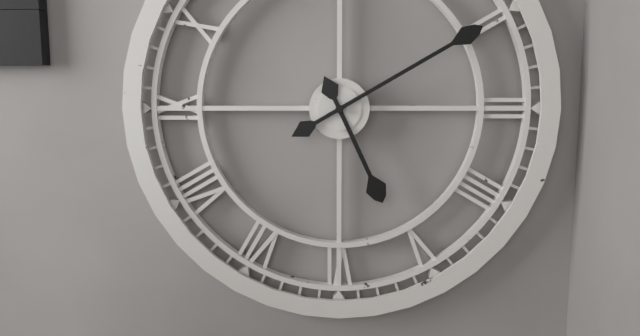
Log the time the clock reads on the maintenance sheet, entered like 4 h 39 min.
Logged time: 5 h 10 min
